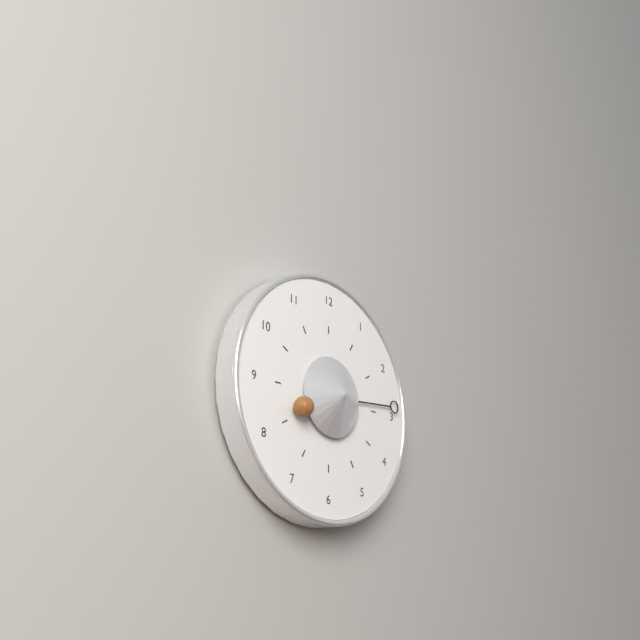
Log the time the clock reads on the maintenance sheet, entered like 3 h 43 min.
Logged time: 8 h 14 min
